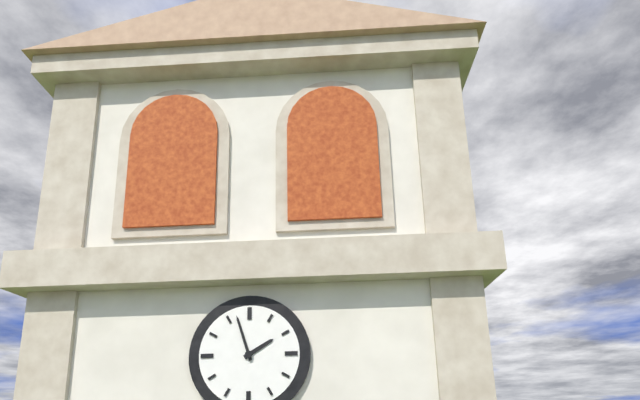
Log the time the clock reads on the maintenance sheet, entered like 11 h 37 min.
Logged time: 1 h 57 min
